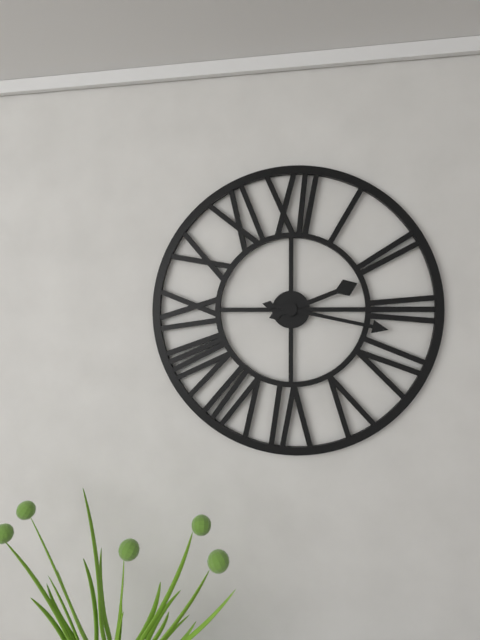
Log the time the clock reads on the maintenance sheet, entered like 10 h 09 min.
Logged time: 2 h 17 min
